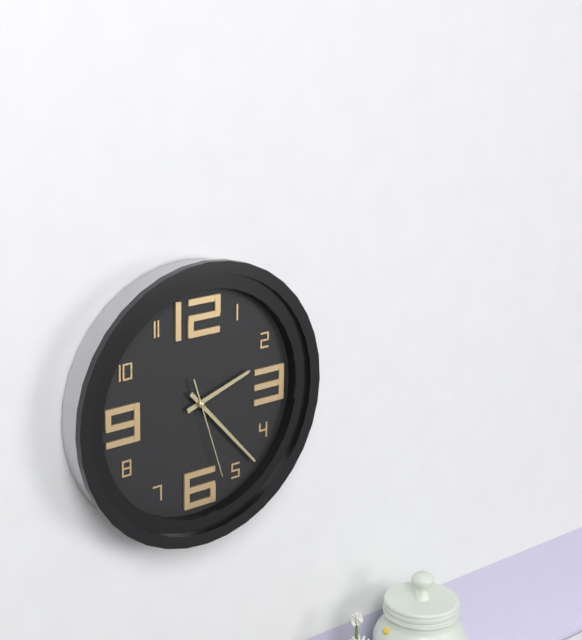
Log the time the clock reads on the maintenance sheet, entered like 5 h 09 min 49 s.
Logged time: 2 h 23 min 27 s
